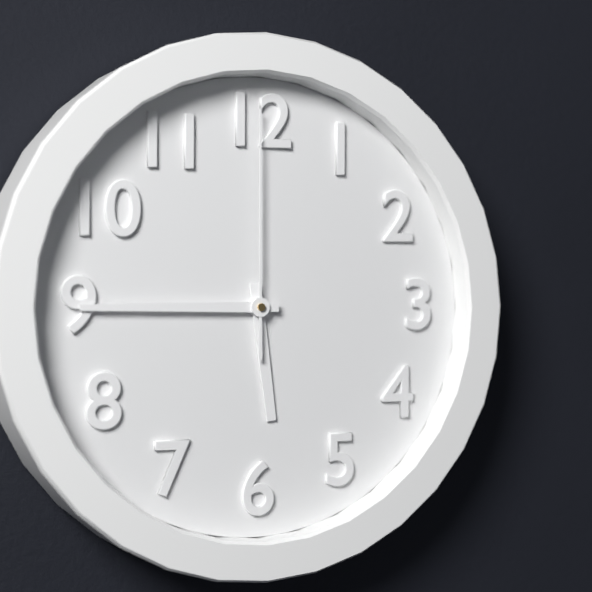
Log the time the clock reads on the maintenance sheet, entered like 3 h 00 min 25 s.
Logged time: 5 h 45 min 00 s
